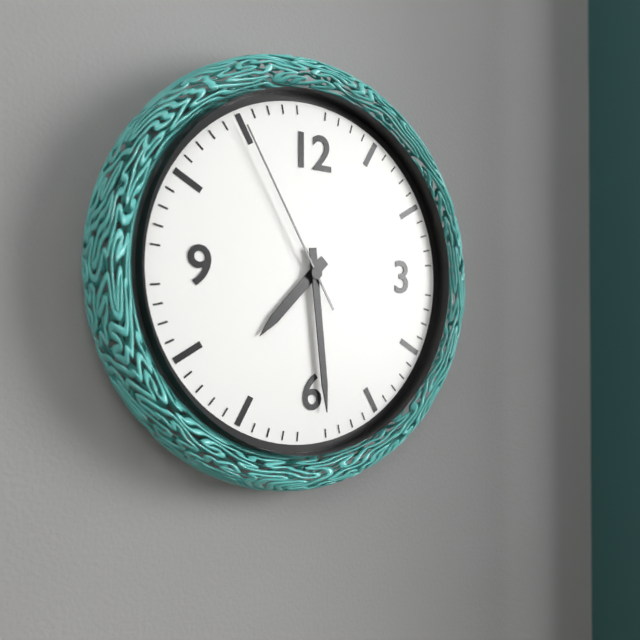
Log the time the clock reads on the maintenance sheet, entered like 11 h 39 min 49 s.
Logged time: 7 h 29 min 55 s
